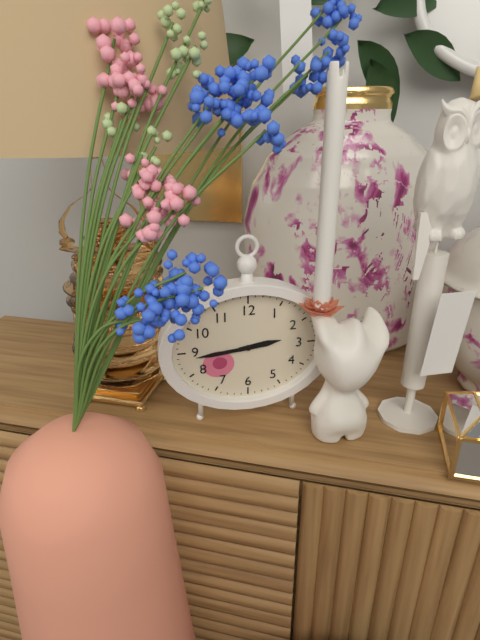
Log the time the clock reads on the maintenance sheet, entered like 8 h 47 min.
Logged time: 2 h 44 min
